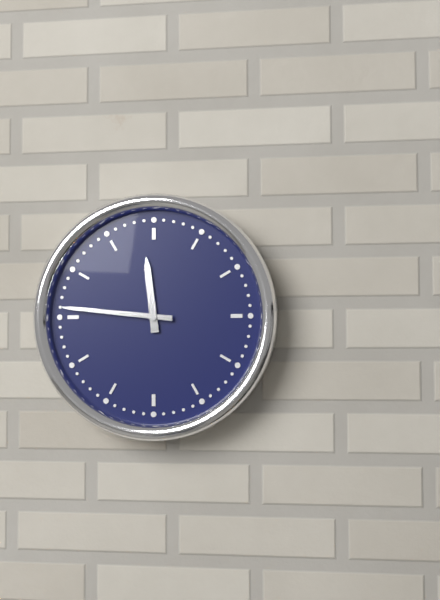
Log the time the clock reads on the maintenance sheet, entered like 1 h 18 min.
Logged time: 11 h 46 min
